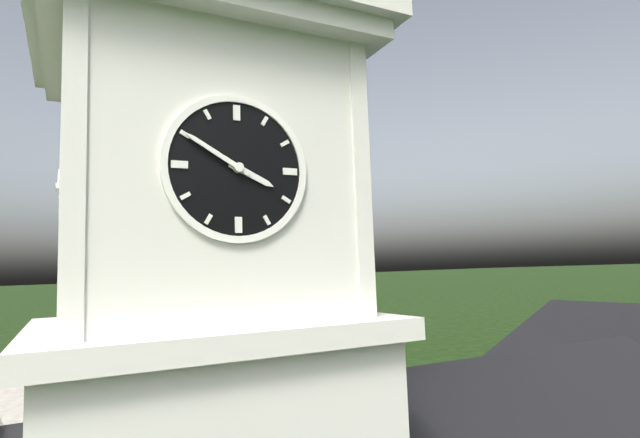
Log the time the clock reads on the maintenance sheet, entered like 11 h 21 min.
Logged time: 3 h 50 min
